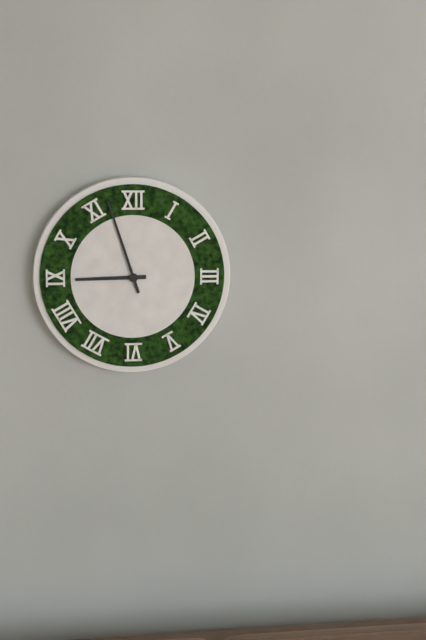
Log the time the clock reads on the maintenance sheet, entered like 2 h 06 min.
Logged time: 8 h 57 min
